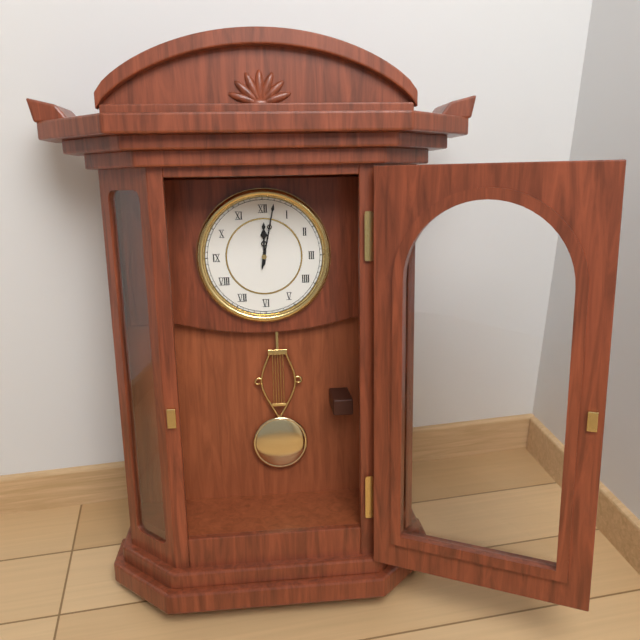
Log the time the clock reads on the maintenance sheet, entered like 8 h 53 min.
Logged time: 12 h 02 min
